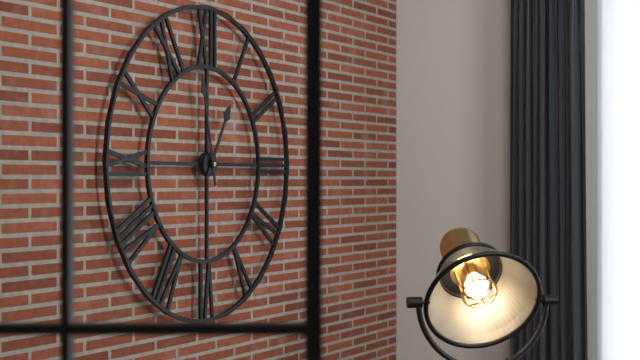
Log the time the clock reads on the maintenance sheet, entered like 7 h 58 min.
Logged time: 12 h 58 min
